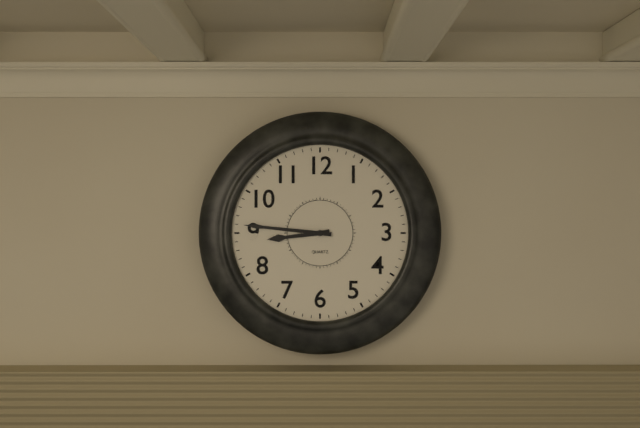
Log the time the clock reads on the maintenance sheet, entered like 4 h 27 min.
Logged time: 8 h 46 min
